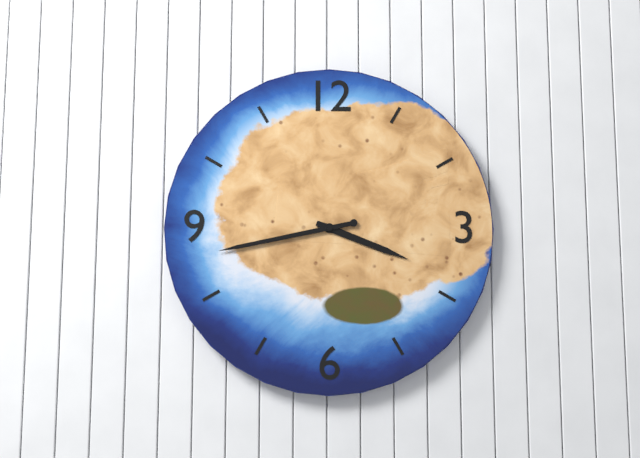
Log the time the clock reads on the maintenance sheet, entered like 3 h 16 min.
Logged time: 3 h 43 min
